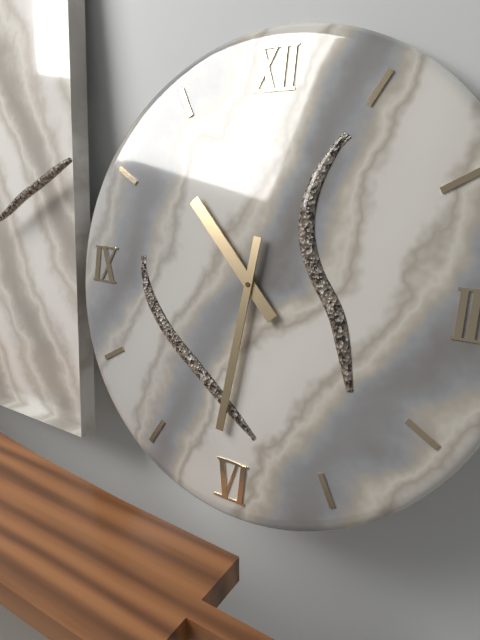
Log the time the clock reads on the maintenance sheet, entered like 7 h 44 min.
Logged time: 10 h 31 min
